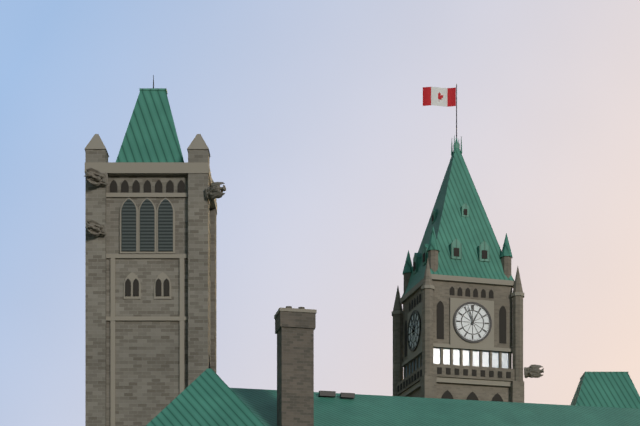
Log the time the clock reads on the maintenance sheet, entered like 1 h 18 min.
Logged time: 12 h 57 min
